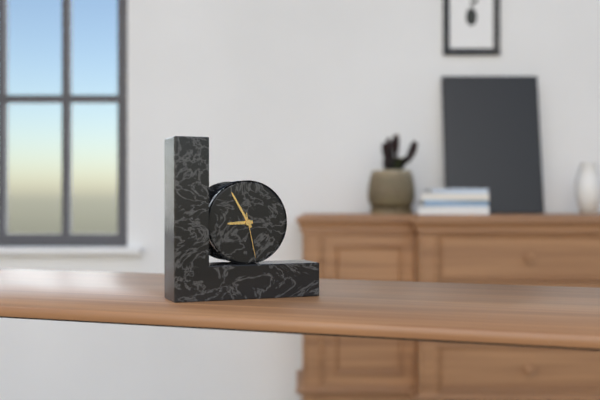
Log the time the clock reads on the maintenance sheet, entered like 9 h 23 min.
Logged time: 8 h 55 min
